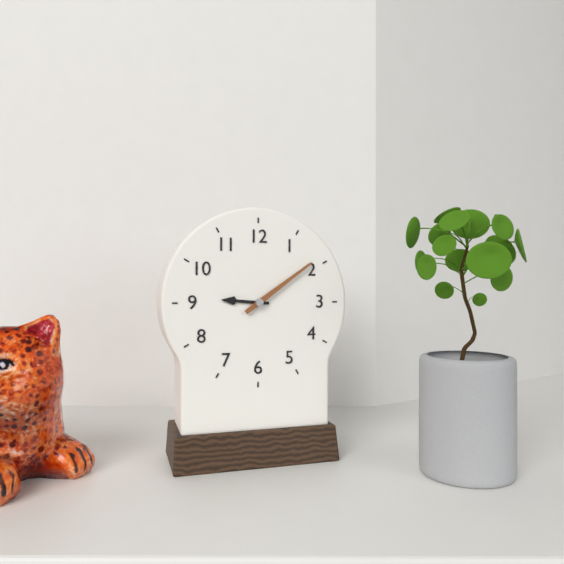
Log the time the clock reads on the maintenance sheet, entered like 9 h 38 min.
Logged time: 9 h 09 min
